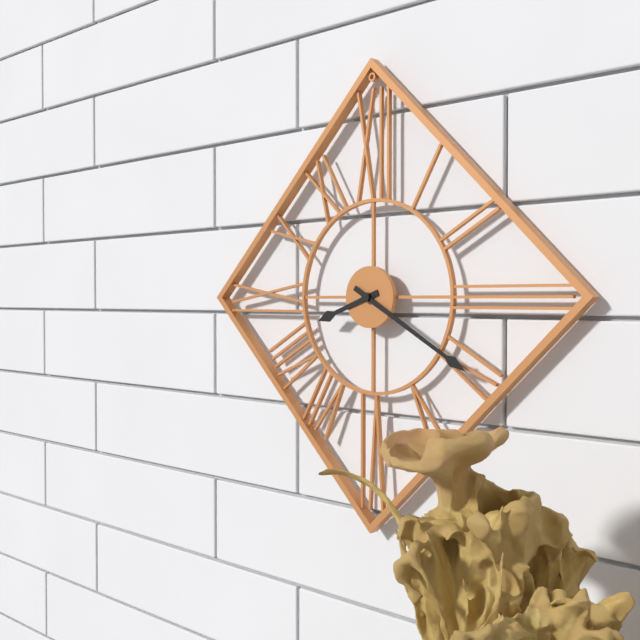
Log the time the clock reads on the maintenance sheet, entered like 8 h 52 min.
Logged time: 8 h 20 min
